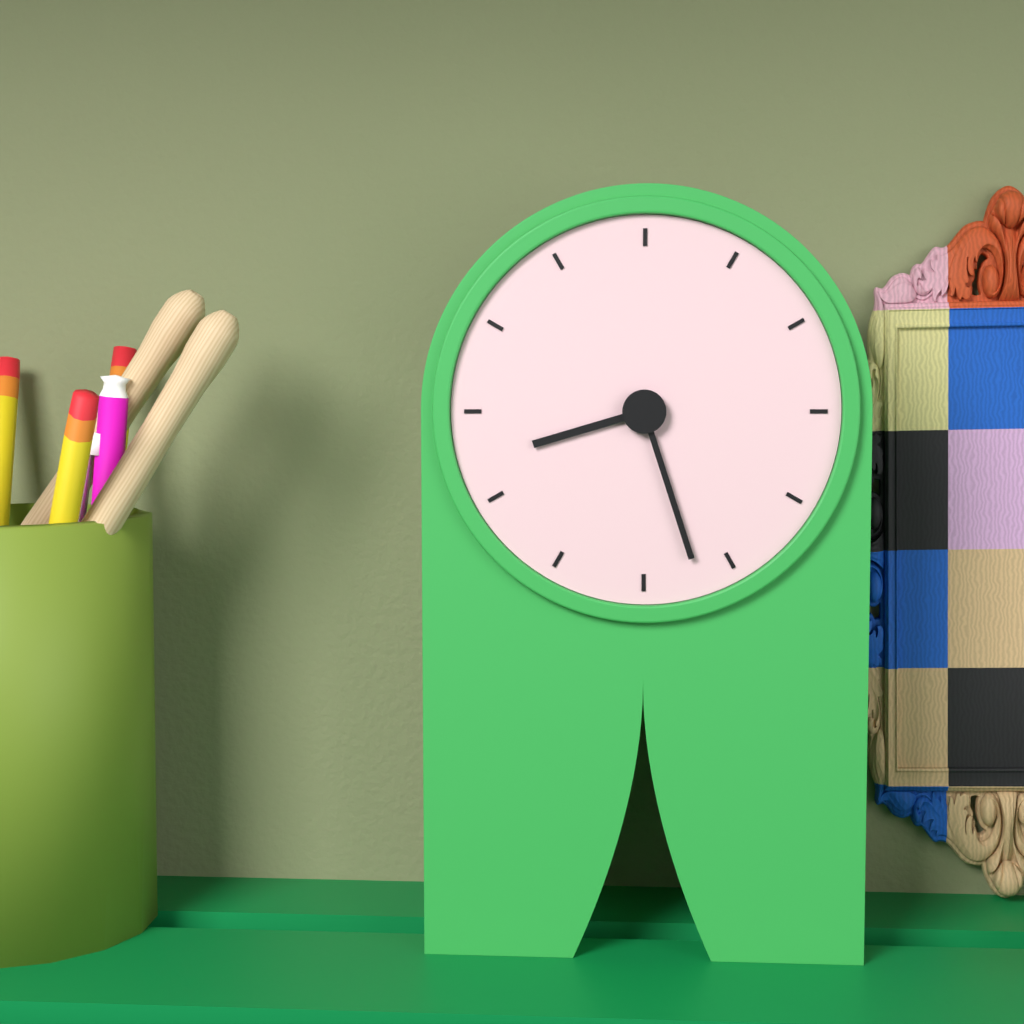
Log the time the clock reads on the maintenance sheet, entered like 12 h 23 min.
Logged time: 8 h 27 min
